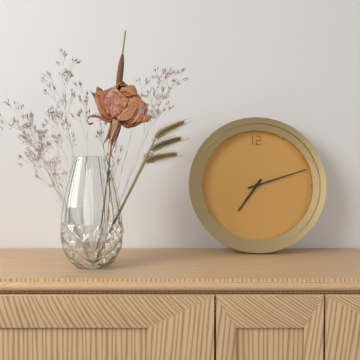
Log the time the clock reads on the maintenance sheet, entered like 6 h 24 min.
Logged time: 7 h 12 min
